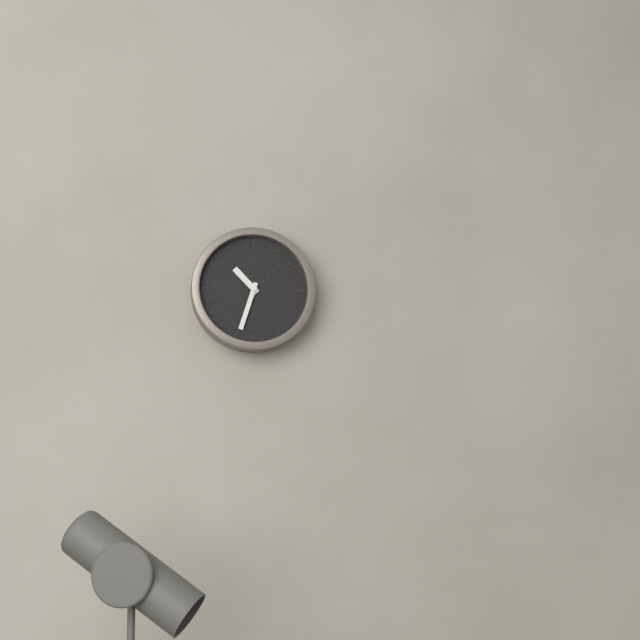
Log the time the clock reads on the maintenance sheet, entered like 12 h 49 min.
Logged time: 10 h 33 min
